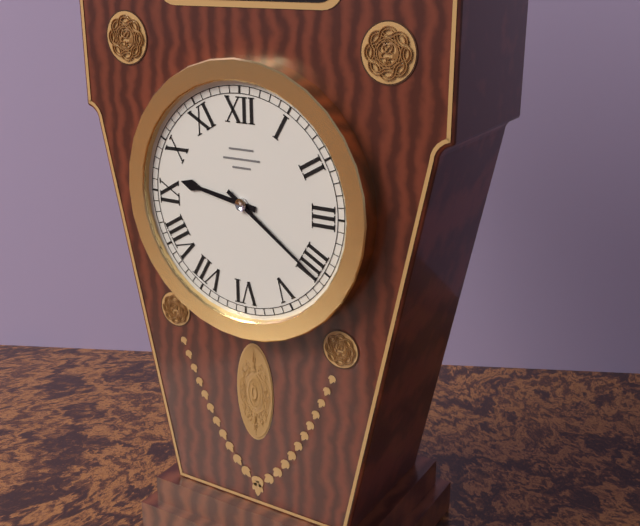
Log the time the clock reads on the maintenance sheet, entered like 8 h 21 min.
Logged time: 9 h 21 min
